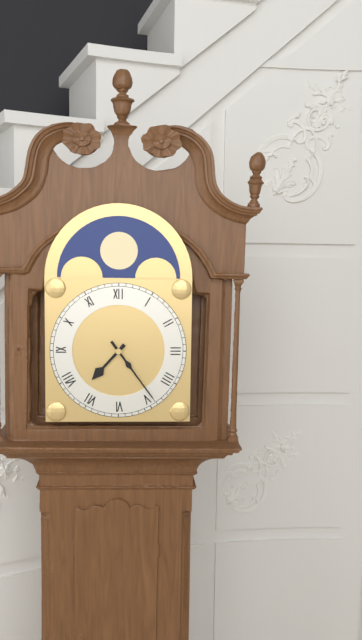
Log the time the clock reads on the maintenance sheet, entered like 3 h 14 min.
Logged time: 7 h 24 min
